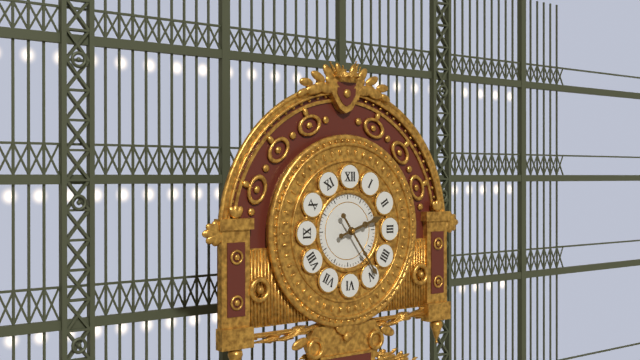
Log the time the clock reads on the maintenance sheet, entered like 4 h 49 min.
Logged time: 2 h 24 min
